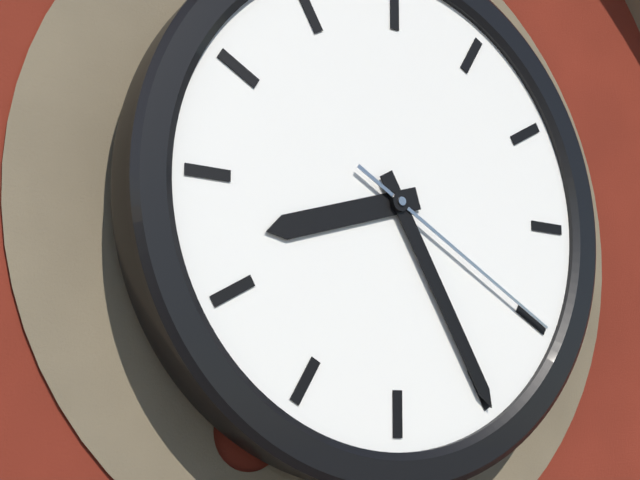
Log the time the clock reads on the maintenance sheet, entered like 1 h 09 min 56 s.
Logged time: 8 h 25 min 20 s
